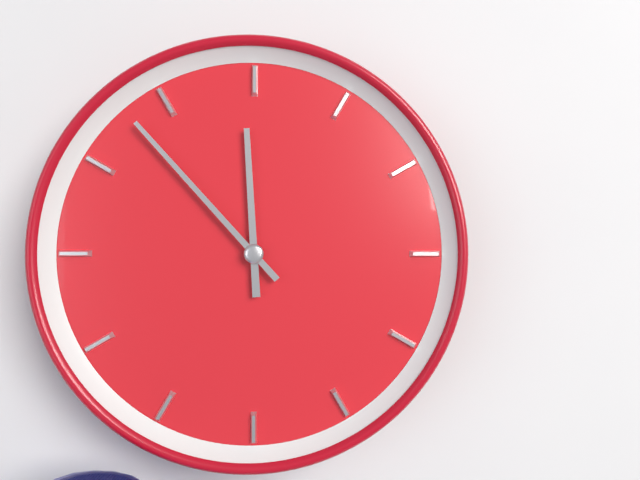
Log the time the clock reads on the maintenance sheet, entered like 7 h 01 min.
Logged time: 11 h 53 min
